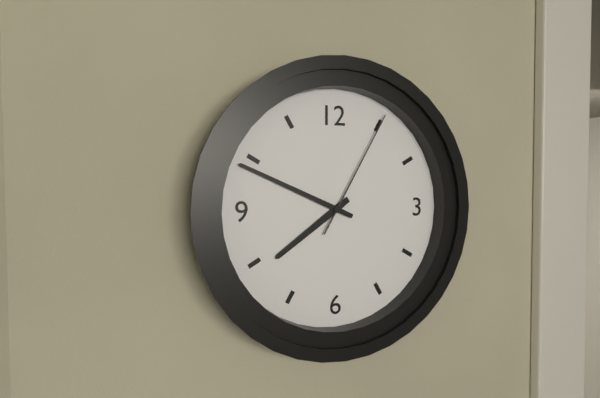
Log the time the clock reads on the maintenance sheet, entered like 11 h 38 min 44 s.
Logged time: 7 h 49 min 05 s
